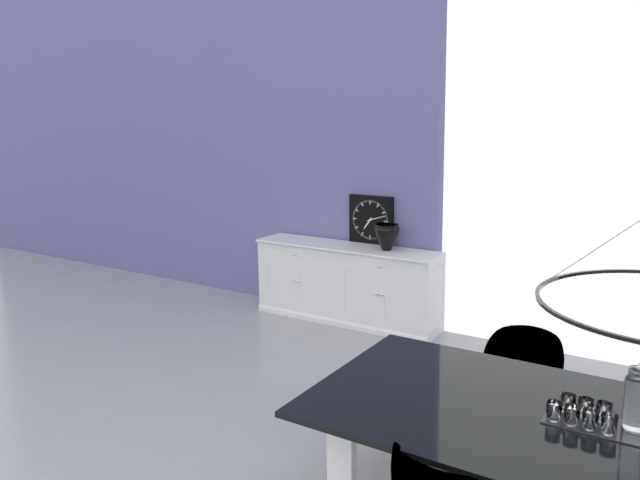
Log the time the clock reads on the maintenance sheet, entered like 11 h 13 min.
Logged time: 7 h 12 min
